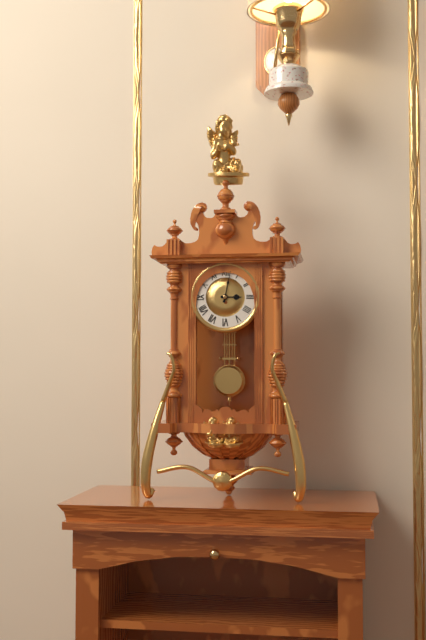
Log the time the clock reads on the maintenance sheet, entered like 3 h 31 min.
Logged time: 3 h 02 min
